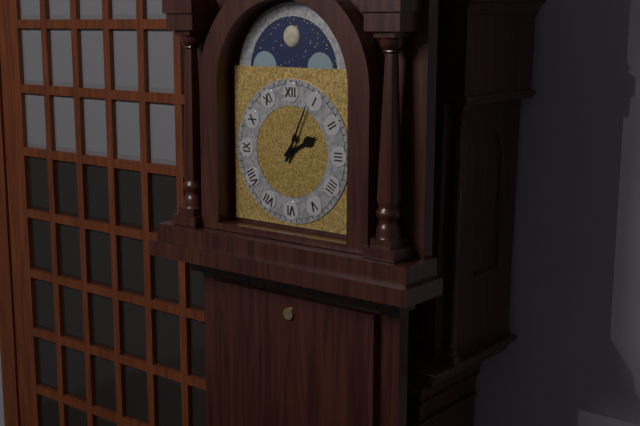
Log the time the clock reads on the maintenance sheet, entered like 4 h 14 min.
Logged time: 2 h 04 min
